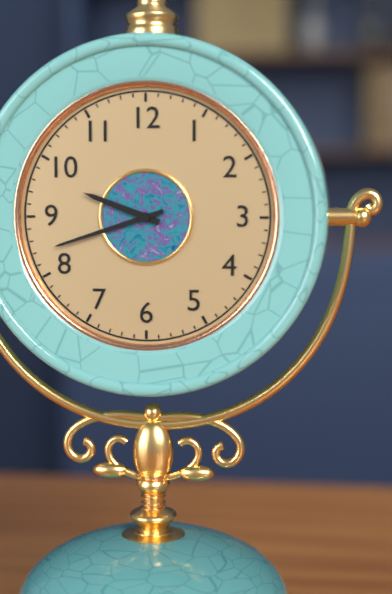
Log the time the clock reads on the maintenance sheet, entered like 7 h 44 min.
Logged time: 9 h 42 min
